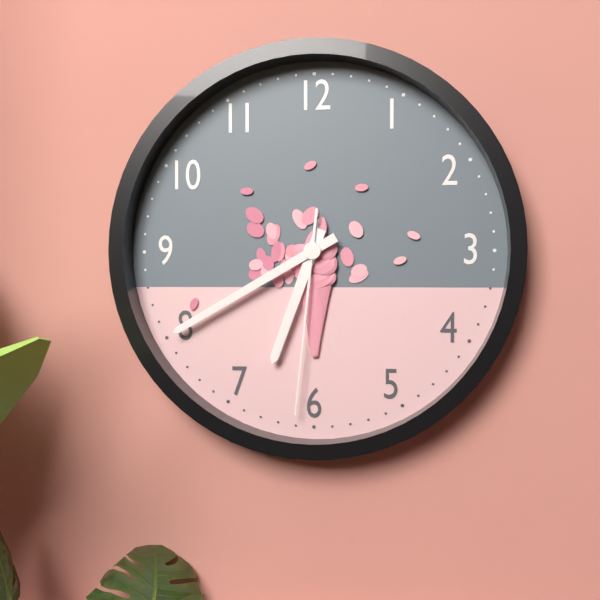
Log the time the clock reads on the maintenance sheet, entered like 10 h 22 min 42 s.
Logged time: 6 h 40 min 31 s
